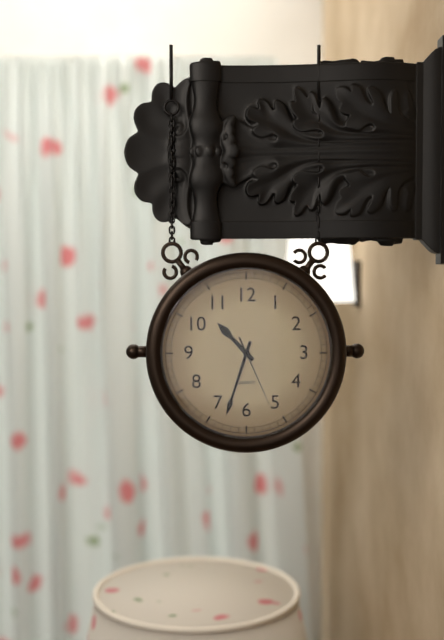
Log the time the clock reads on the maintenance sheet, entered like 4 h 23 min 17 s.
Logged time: 10 h 33 min 26 s
